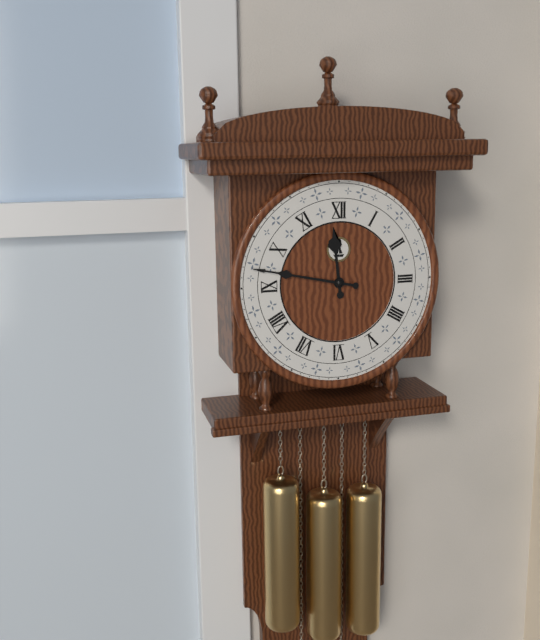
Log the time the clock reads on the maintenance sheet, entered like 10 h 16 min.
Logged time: 11 h 47 min
